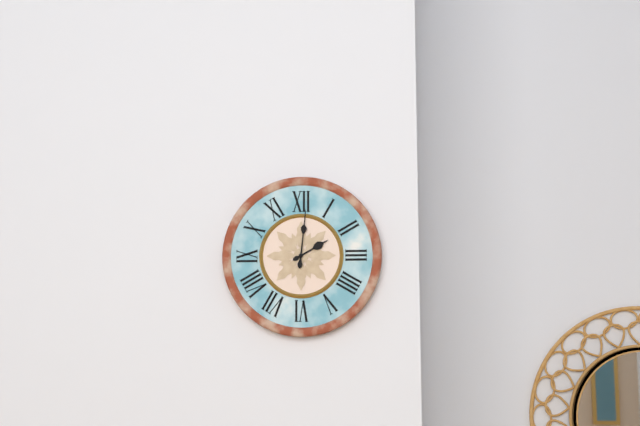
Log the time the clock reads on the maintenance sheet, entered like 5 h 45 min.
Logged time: 2 h 01 min
